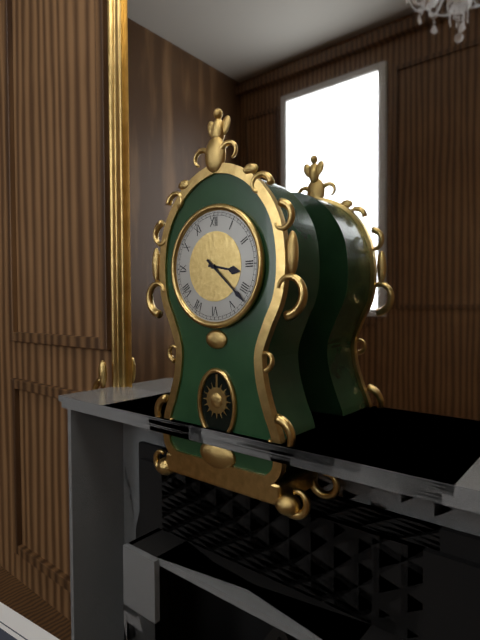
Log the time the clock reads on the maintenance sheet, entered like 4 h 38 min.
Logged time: 3 h 22 min
